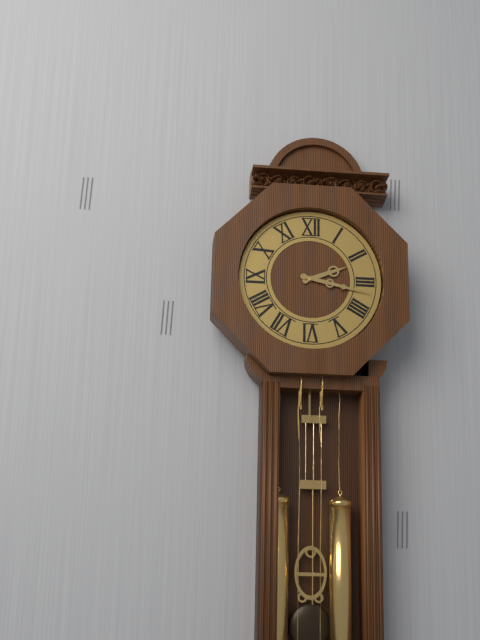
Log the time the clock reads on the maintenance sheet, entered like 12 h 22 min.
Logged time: 2 h 17 min
